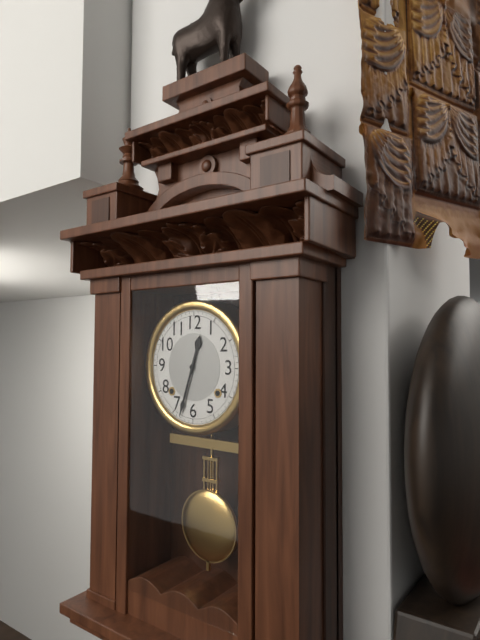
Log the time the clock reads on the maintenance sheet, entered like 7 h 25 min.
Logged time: 12 h 33 min
